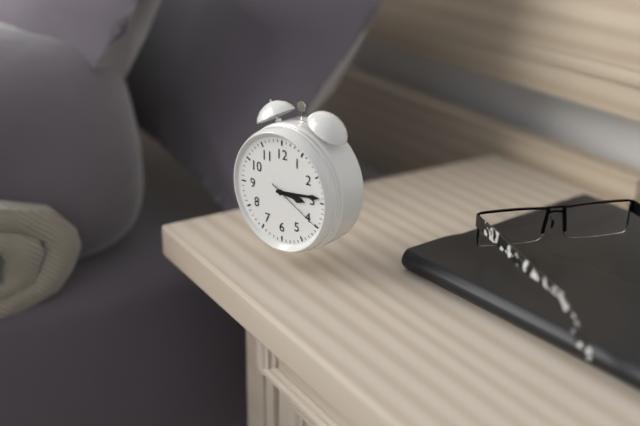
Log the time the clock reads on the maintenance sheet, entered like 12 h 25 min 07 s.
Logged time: 3 h 14 min 20 s
